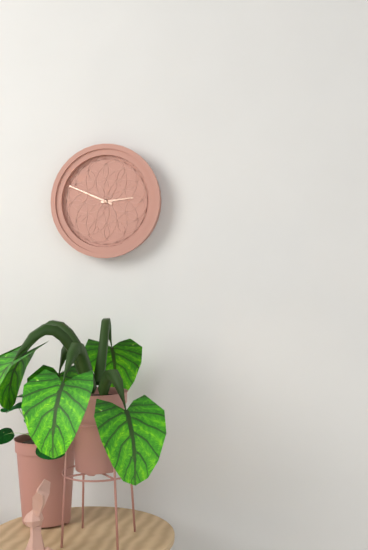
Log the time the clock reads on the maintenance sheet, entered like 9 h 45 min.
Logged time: 2 h 49 min
